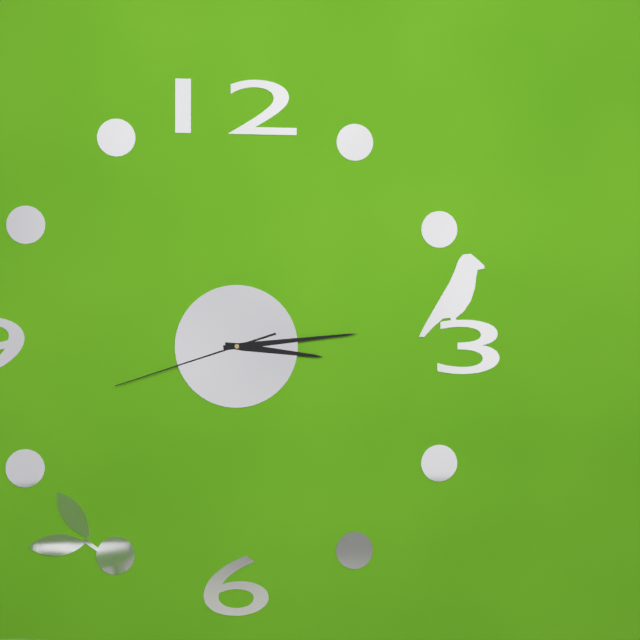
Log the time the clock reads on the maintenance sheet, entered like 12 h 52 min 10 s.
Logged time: 3 h 14 min 42 s
